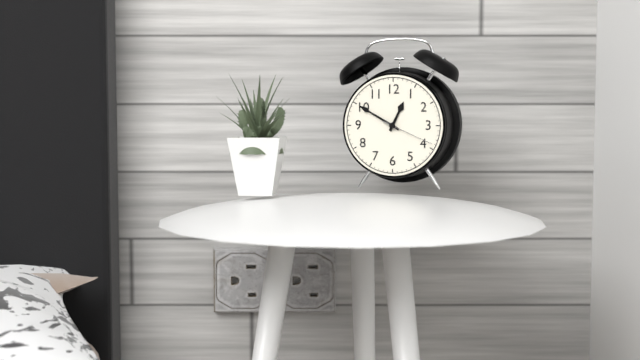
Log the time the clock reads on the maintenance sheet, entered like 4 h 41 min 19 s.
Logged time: 12 h 50 min 19 s
